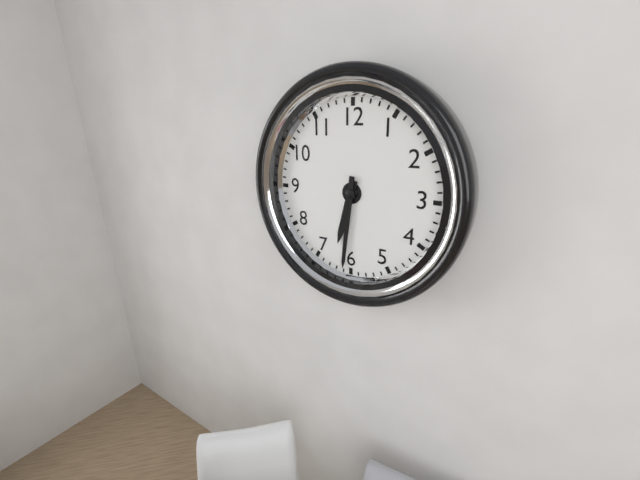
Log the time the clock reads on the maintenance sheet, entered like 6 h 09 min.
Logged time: 6 h 31 min
